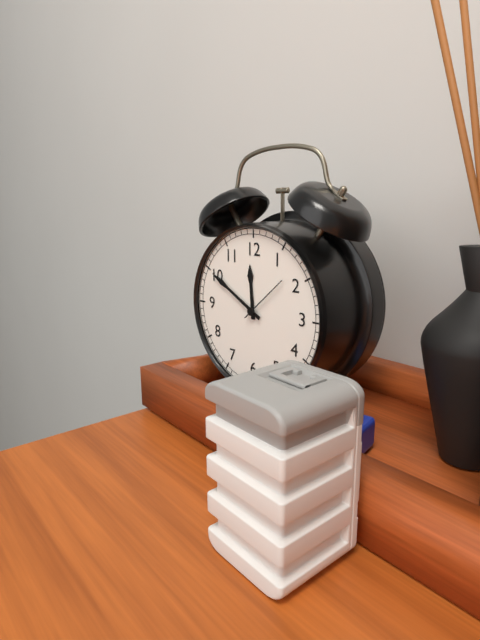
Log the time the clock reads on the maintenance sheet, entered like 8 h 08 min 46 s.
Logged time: 11 h 50 min 08 s
